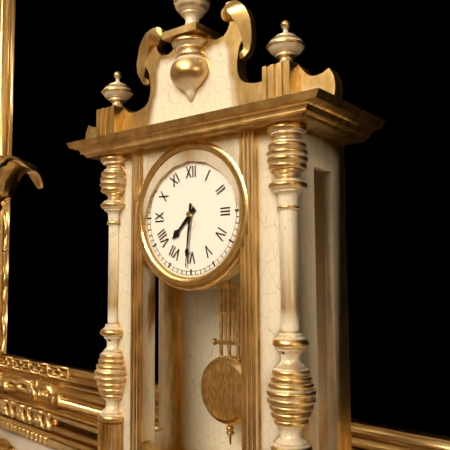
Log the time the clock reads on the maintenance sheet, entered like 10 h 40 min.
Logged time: 7 h 31 min
